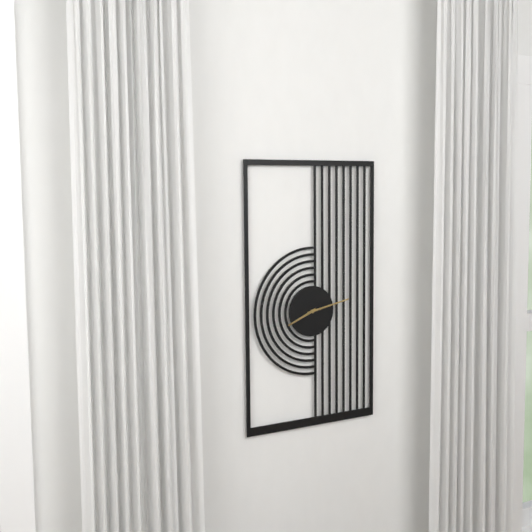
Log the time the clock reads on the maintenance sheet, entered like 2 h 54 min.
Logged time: 8 h 13 min
